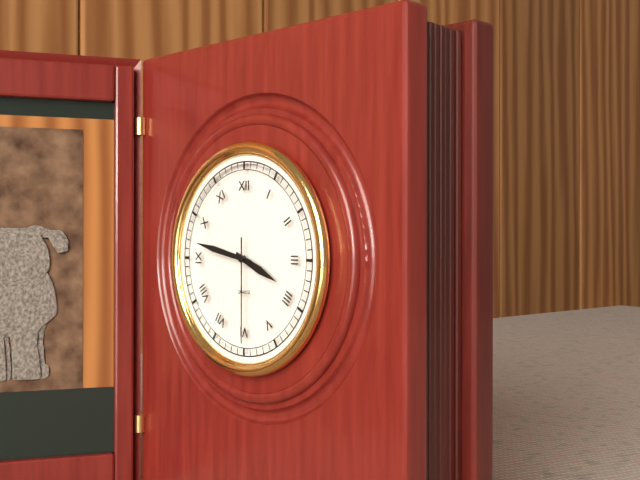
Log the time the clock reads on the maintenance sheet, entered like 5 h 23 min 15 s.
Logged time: 3 h 47 min 30 s
